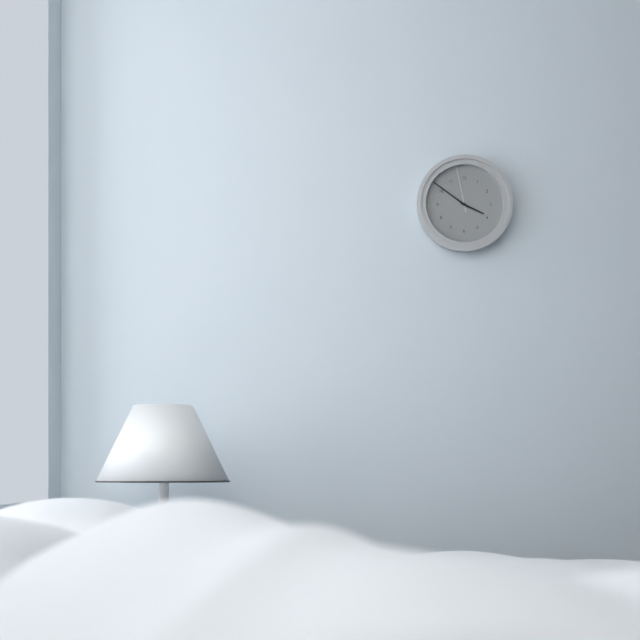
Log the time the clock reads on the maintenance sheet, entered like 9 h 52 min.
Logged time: 3 h 51 min
